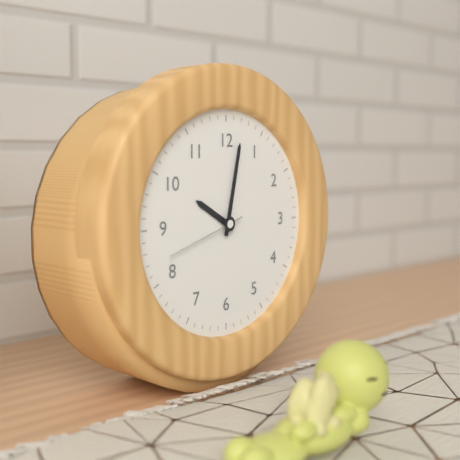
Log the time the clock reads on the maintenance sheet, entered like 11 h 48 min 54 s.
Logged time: 10 h 02 min 42 s
